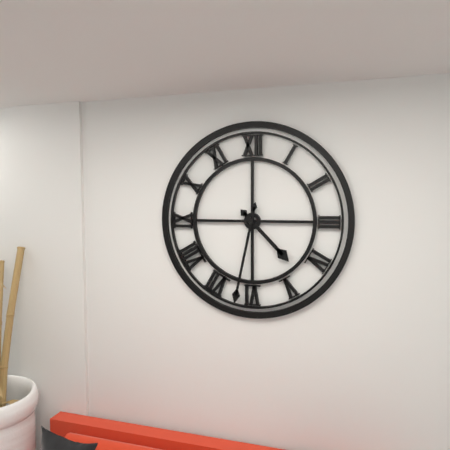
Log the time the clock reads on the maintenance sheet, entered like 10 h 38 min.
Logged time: 4 h 32 min
